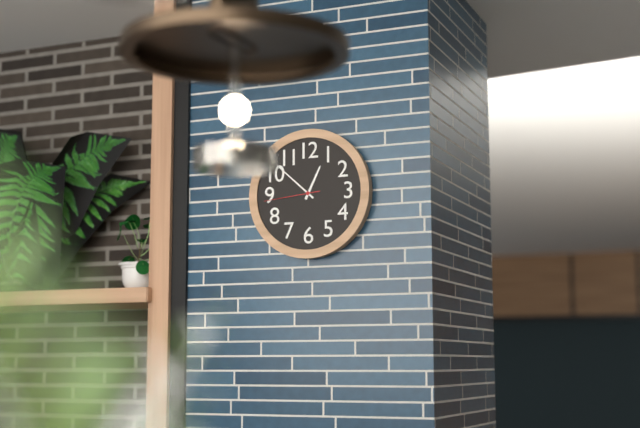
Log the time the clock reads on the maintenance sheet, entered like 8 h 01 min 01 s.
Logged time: 12 h 52 min 44 s
